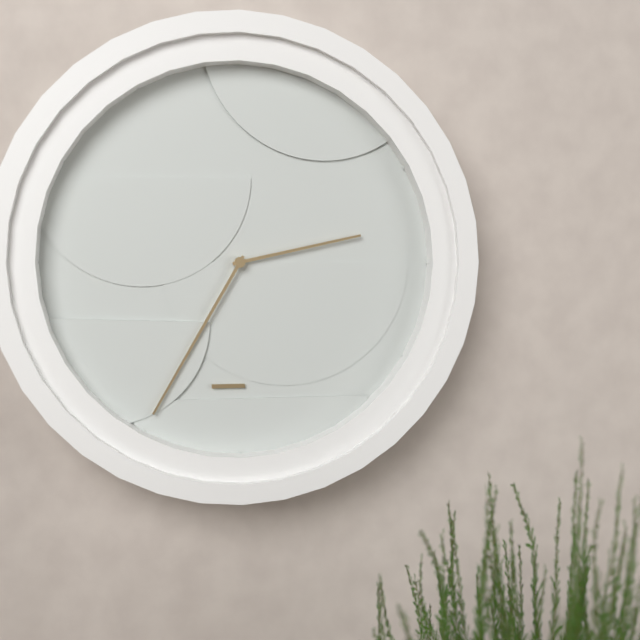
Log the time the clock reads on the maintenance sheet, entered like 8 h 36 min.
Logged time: 2 h 35 min
